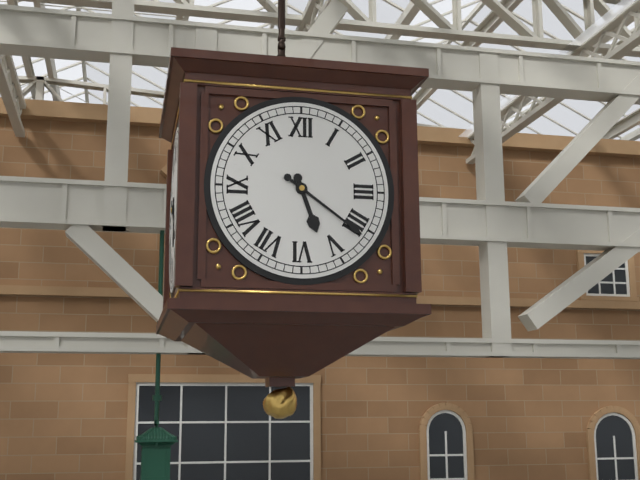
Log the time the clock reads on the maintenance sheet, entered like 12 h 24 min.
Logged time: 5 h 21 min
